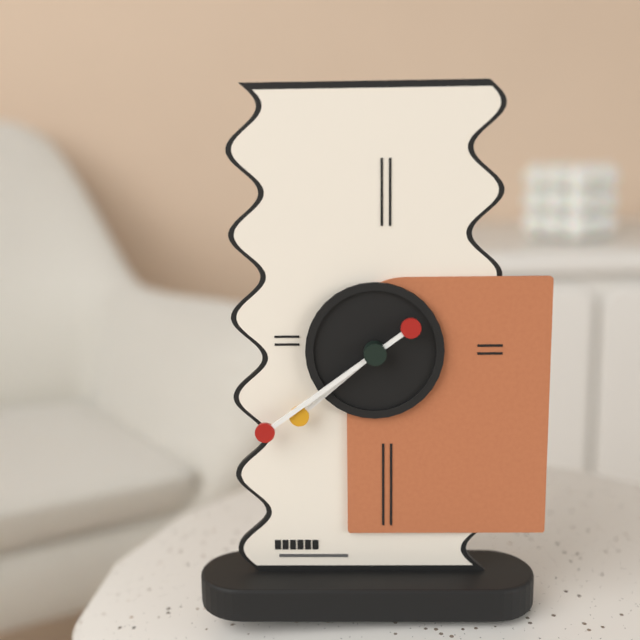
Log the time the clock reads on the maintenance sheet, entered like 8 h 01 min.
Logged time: 7 h 39 min
